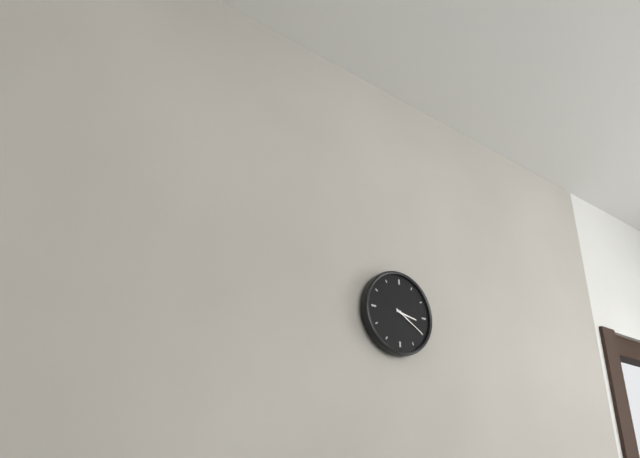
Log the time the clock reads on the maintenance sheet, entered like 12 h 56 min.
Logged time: 3 h 20 min
